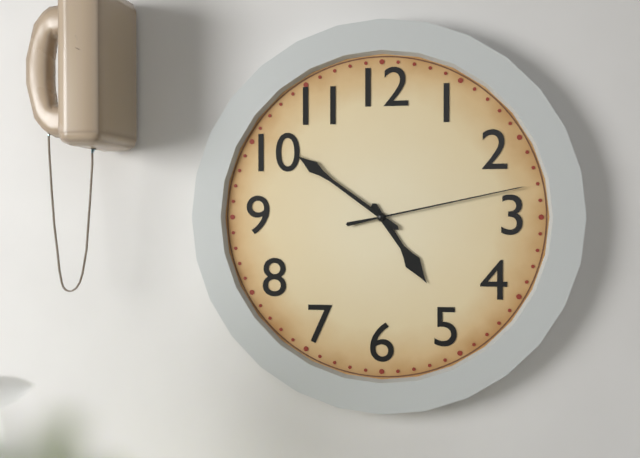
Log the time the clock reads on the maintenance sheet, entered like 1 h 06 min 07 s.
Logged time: 4 h 51 min 13 s
